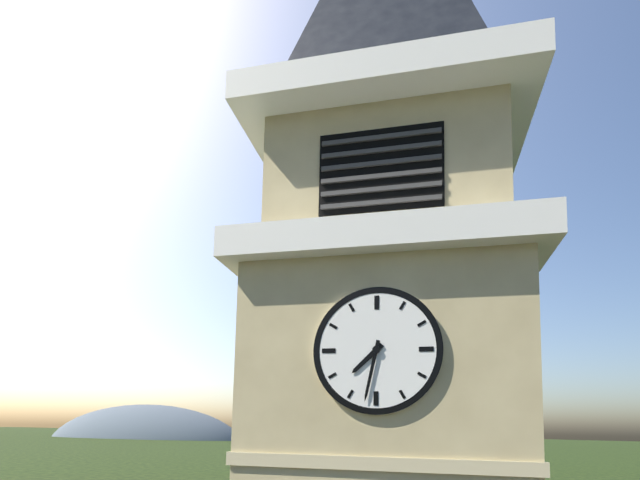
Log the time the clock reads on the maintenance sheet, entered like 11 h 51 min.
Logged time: 7 h 32 min
